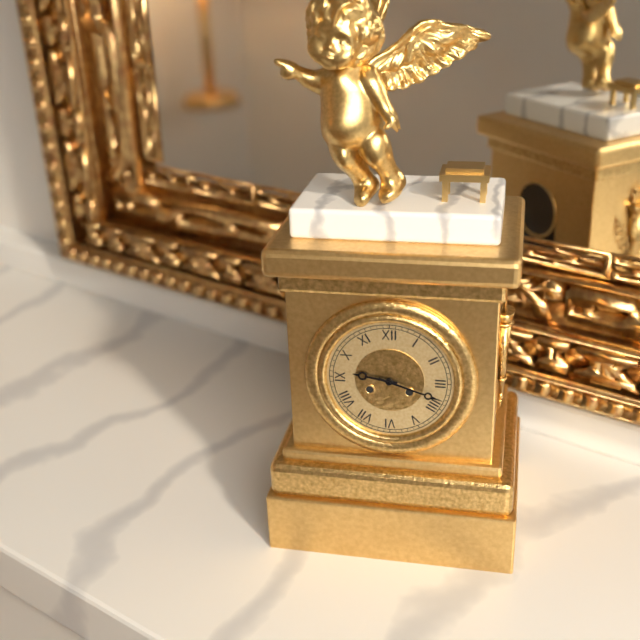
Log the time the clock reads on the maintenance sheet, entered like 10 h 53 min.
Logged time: 9 h 18 min
